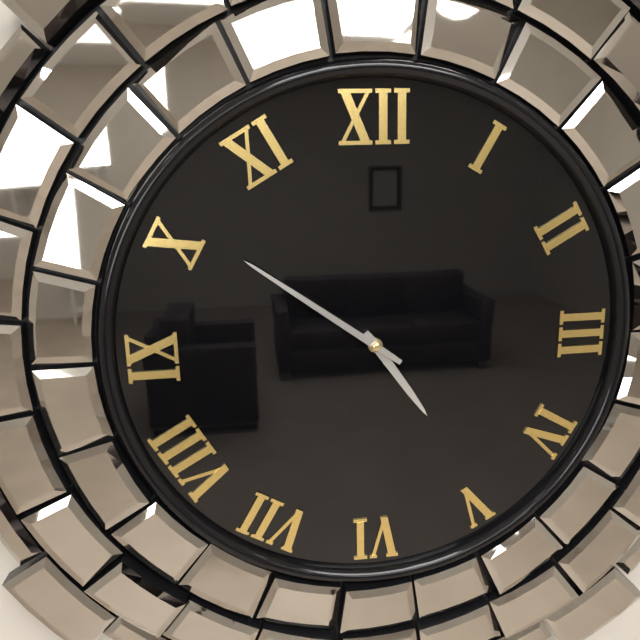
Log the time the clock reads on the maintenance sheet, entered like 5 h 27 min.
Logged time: 4 h 51 min
